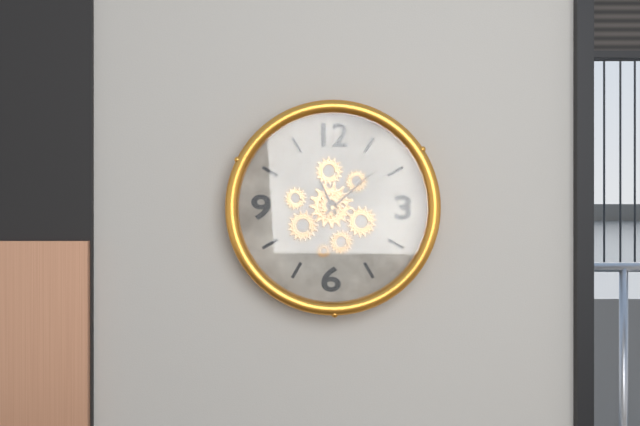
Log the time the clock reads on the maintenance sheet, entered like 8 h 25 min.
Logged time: 11 h 08 min
